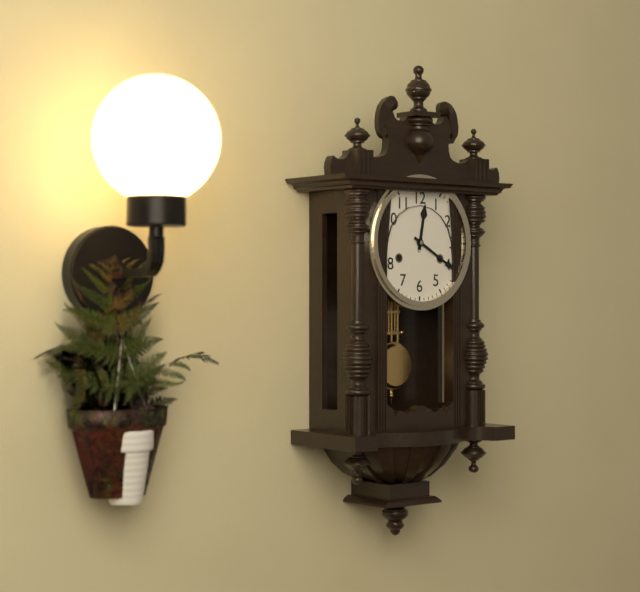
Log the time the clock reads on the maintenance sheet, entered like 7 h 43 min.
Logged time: 12 h 20 min
